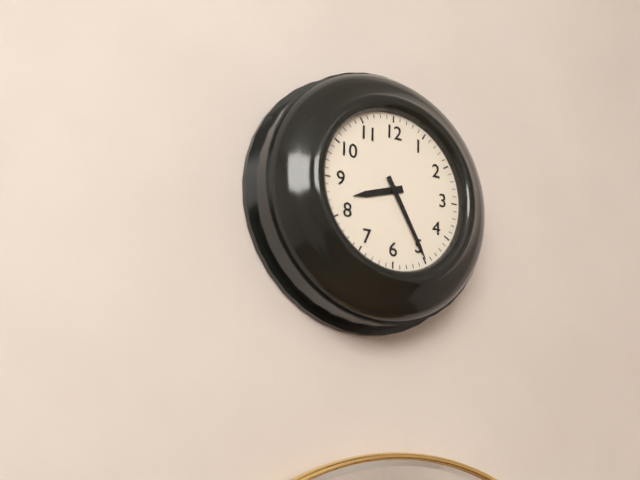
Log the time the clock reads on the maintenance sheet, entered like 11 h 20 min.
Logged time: 8 h 25 min
